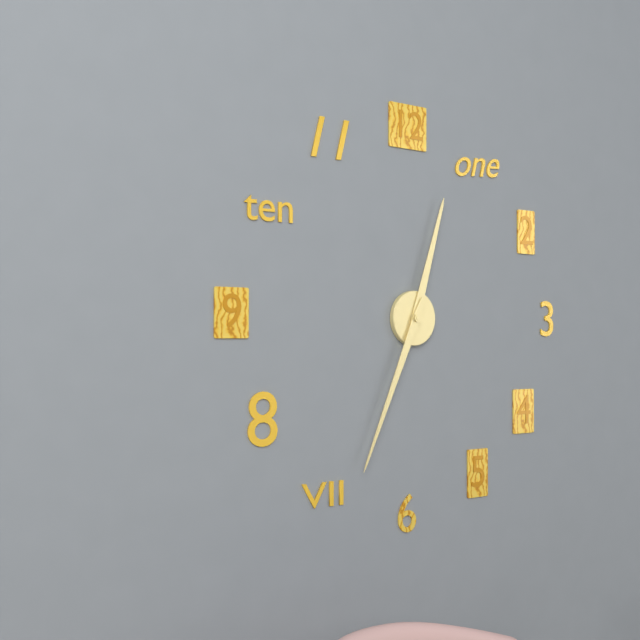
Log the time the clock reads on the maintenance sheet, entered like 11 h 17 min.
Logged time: 12 h 34 min
